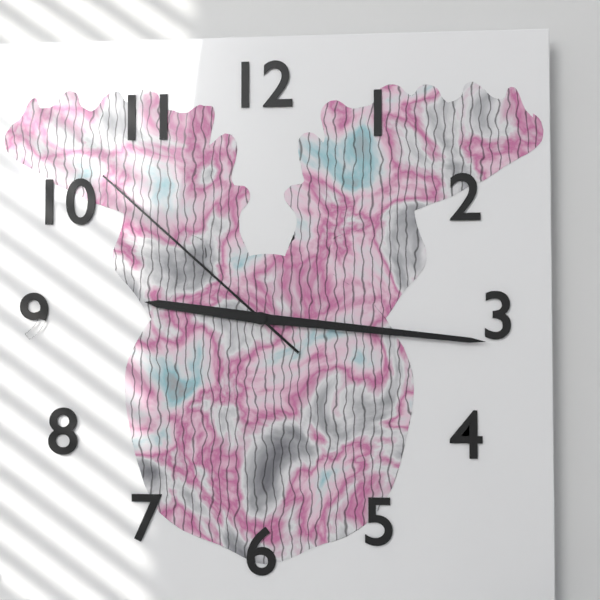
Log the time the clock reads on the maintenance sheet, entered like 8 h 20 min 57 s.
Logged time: 9 h 16 min 52 s
